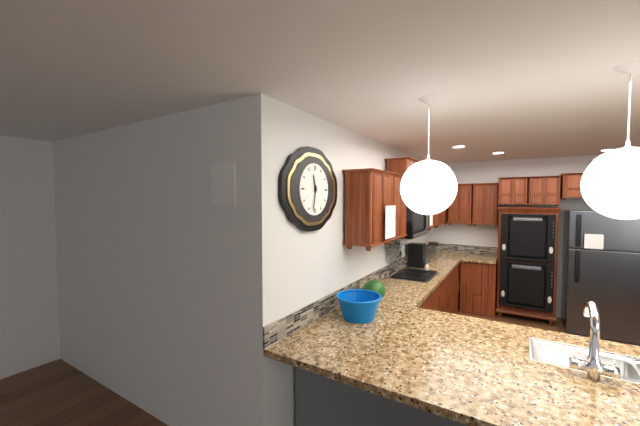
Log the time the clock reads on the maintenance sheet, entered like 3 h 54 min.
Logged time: 11 h 32 min
